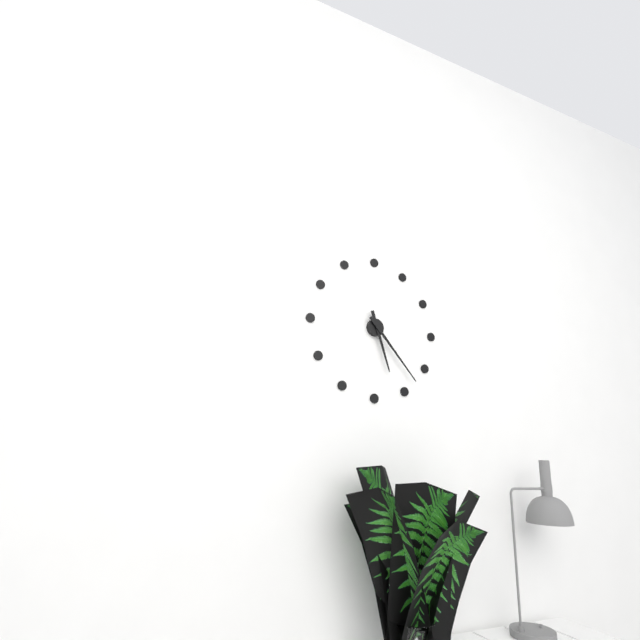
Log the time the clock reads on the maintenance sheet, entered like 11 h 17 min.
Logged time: 5 h 23 min
